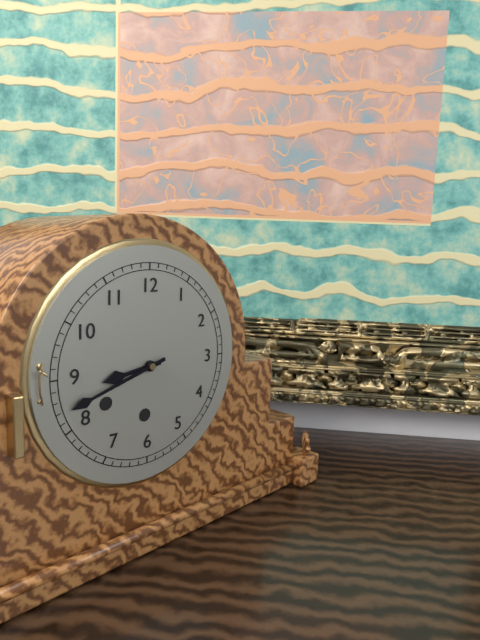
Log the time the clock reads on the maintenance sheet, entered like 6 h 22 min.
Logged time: 8 h 42 min
